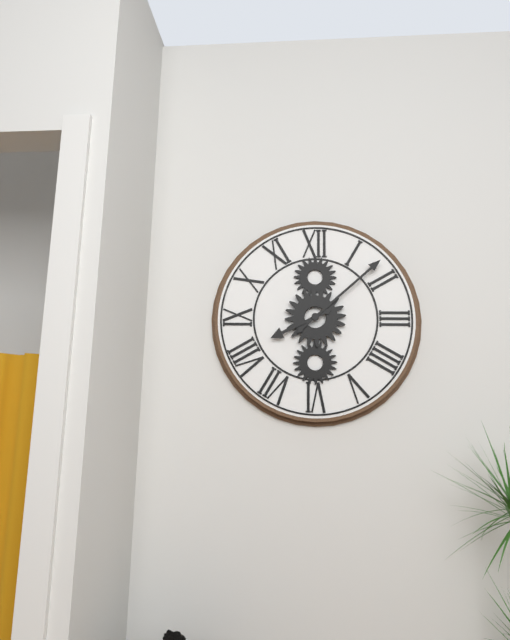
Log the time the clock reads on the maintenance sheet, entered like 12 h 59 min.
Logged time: 8 h 08 min
